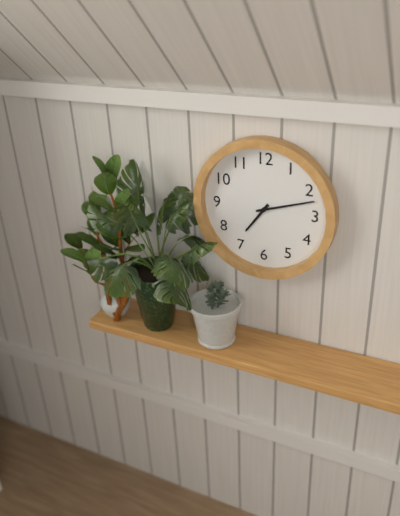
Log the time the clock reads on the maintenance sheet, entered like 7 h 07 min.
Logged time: 7 h 12 min
